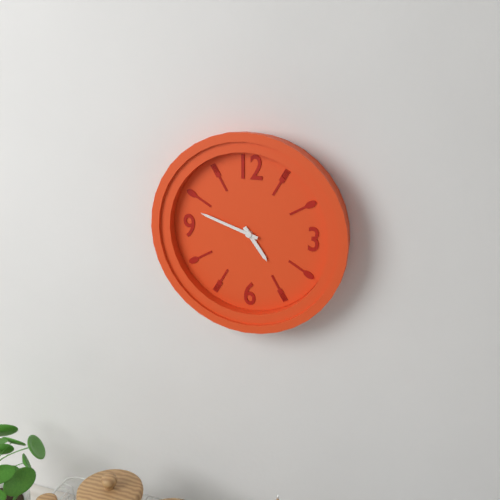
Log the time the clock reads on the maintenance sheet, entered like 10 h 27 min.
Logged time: 4 h 48 min
